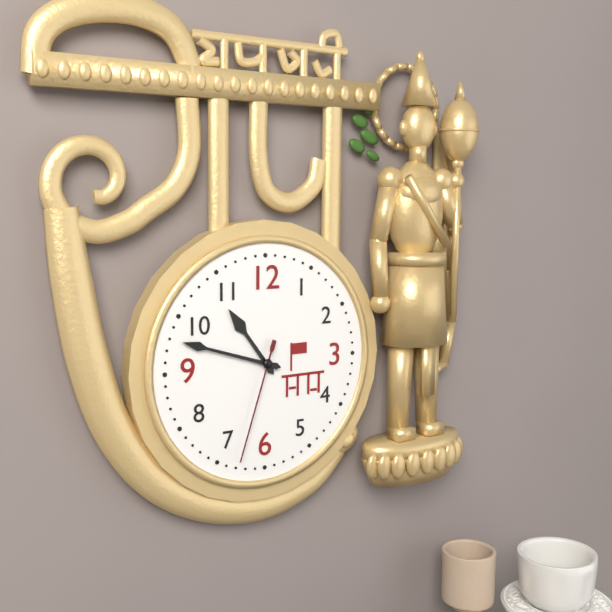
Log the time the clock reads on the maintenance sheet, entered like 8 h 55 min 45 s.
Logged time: 10 h 48 min 33 s
